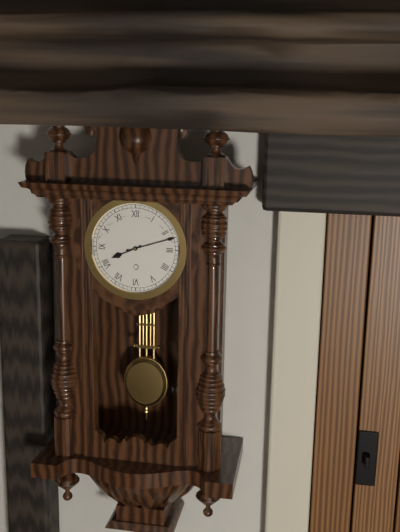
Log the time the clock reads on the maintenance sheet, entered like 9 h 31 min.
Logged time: 8 h 12 min
